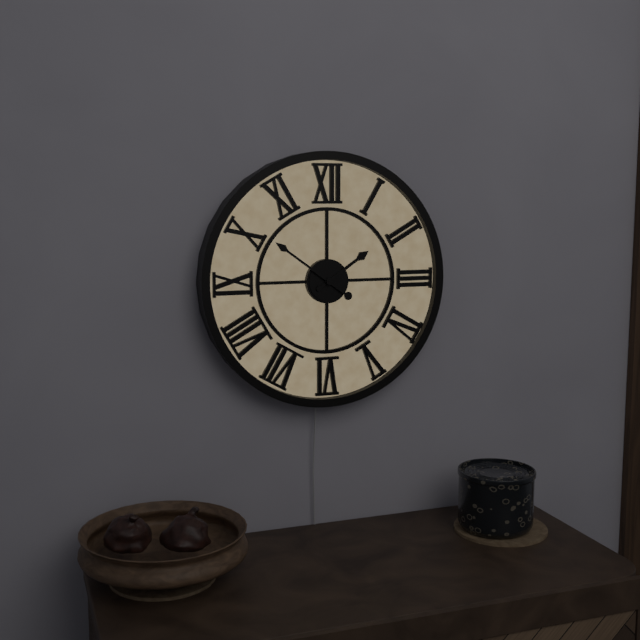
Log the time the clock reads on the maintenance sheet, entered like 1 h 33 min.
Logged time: 1 h 51 min
